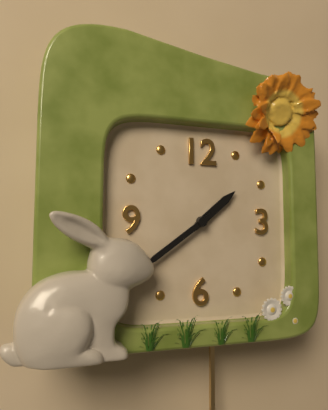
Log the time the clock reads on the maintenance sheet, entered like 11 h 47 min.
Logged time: 1 h 39 min
